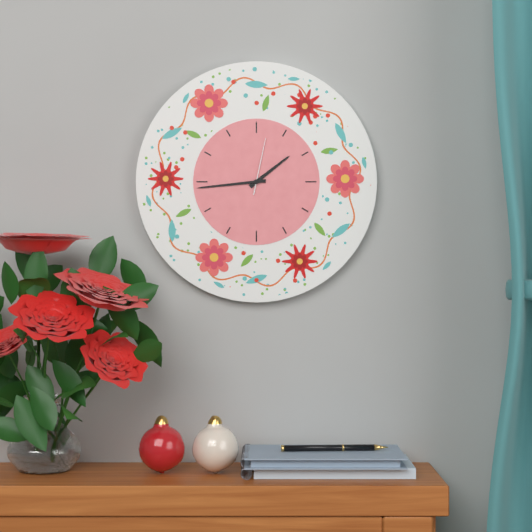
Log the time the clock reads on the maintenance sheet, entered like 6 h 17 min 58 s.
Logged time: 1 h 44 min 02 s
